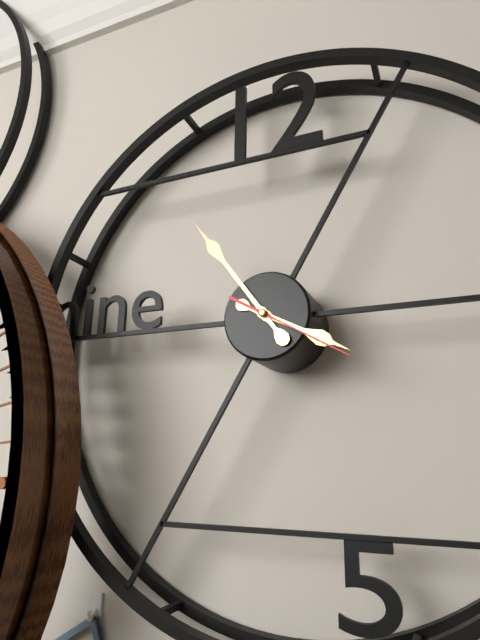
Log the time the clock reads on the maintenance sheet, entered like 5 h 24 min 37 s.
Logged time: 3 h 54 min 20 s
